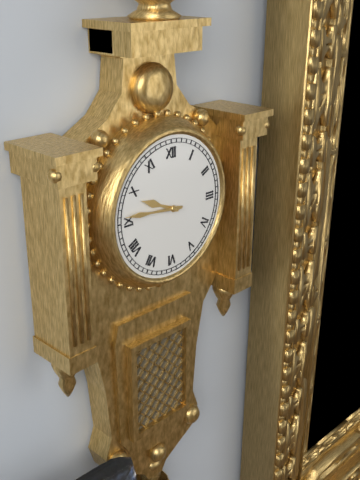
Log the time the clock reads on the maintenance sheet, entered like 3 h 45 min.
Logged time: 9 h 46 min
